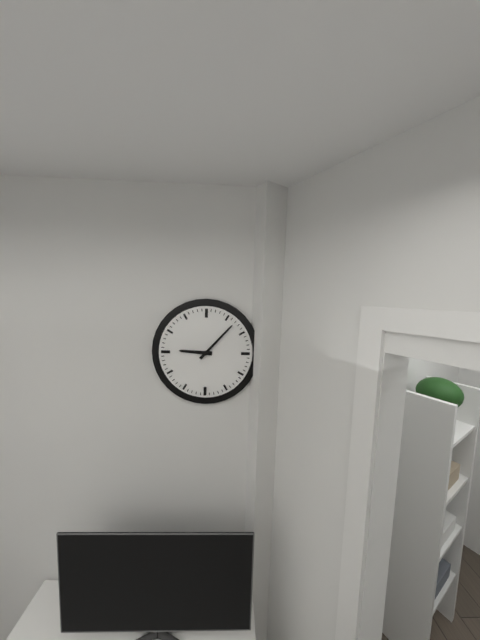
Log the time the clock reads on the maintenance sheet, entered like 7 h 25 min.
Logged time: 9 h 07 min
